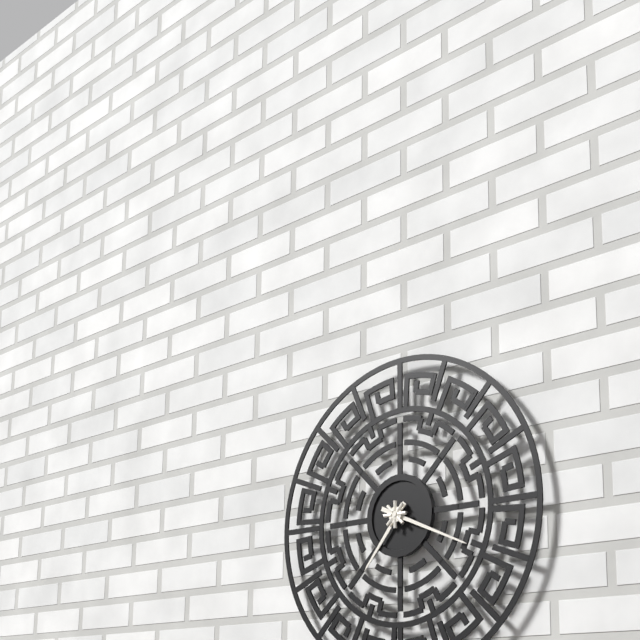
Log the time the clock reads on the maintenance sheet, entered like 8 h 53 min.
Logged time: 7 h 19 min
